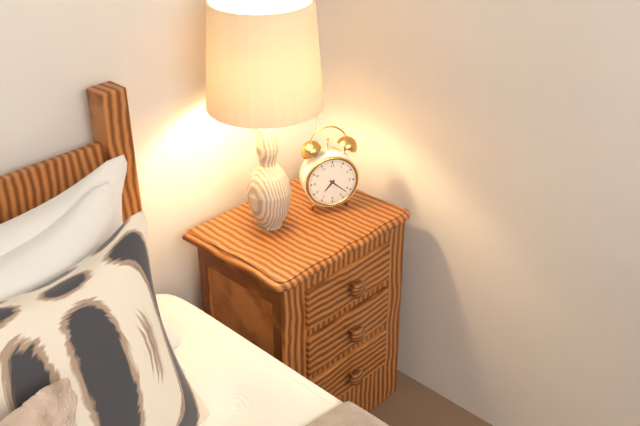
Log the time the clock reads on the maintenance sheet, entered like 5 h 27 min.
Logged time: 7 h 22 min
